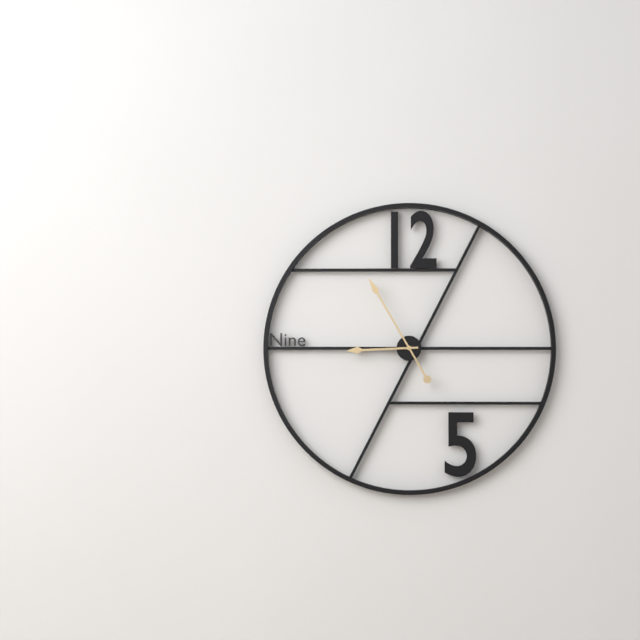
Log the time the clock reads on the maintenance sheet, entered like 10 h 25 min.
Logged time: 8 h 55 min
